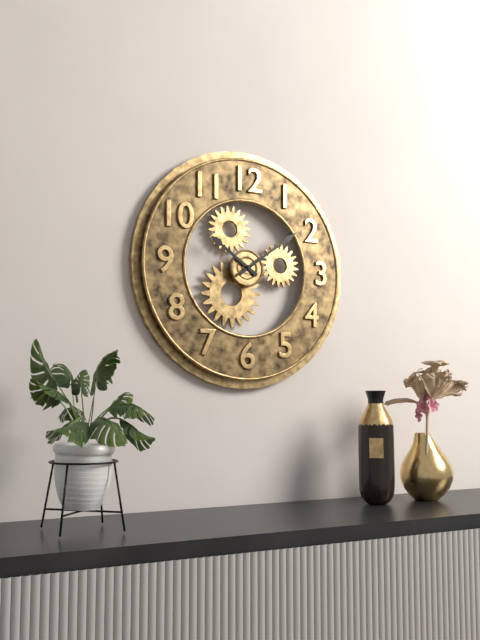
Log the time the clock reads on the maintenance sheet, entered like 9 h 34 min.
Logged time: 10 h 09 min
